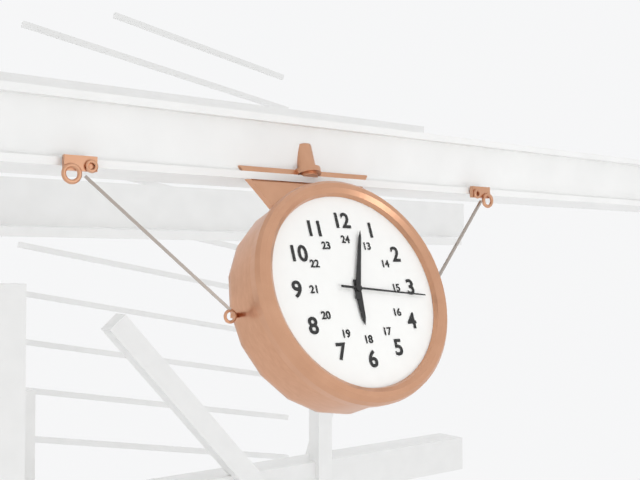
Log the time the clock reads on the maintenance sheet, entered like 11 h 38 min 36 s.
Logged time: 6 h 03 min 16 s
